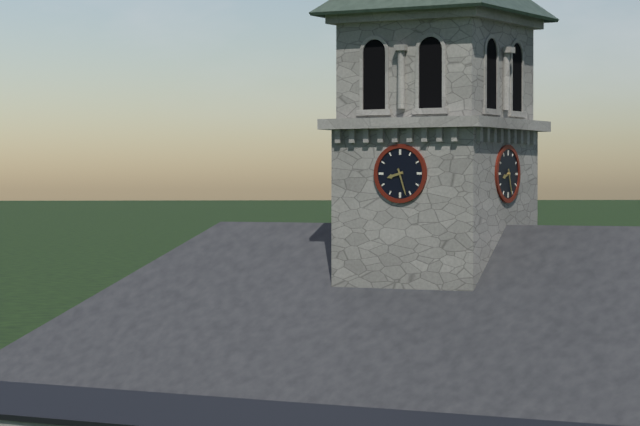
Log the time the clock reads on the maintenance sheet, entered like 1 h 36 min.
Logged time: 8 h 27 min
